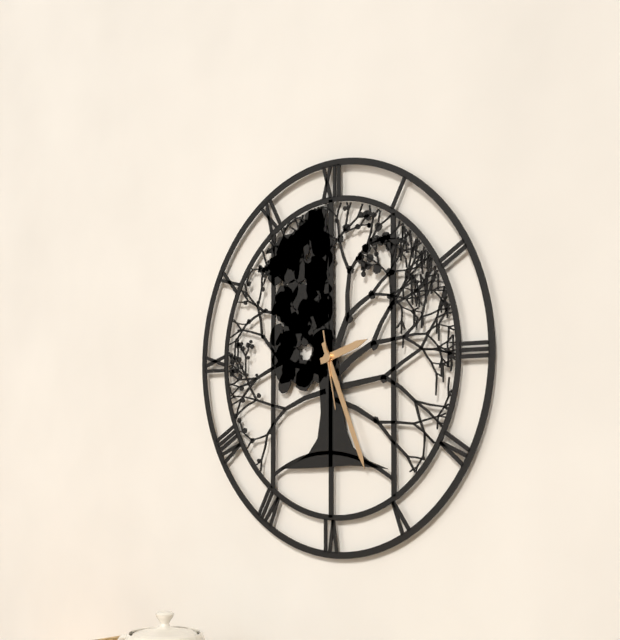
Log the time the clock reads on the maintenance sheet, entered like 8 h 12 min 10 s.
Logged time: 2 h 26 min 28 s
